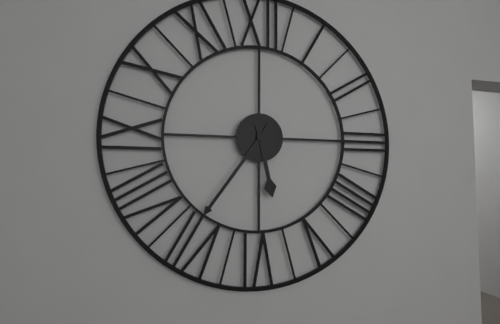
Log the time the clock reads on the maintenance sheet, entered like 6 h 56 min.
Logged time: 5 h 36 min
